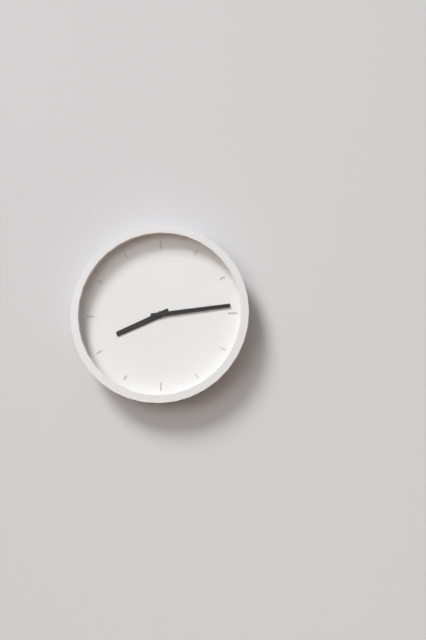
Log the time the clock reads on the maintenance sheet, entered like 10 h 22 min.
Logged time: 8 h 14 min
